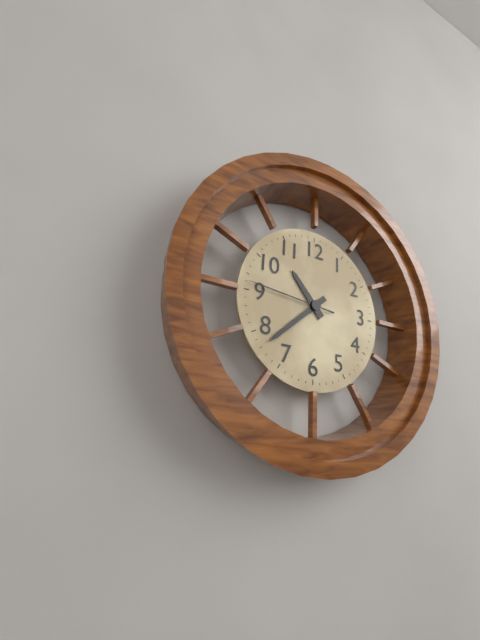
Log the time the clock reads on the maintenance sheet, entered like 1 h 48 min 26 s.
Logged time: 10 h 38 min 46 s
